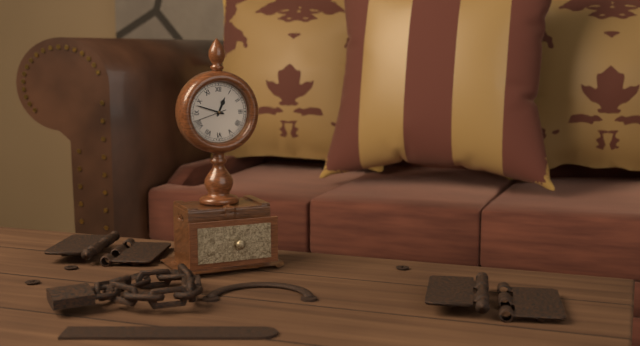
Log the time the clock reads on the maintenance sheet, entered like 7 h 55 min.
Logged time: 12 h 48 min
